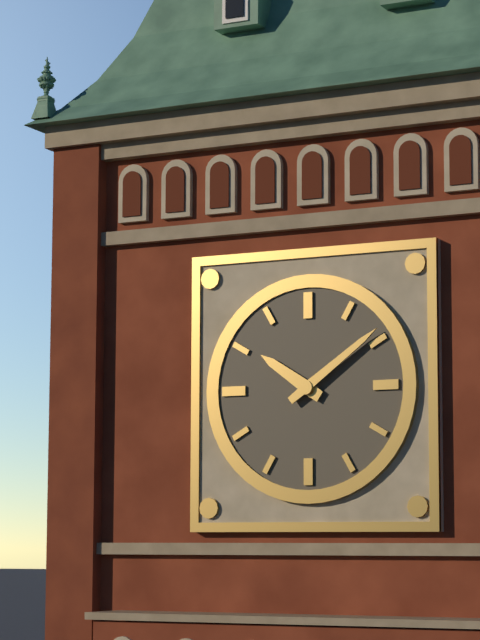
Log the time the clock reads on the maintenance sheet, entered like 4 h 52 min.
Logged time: 10 h 09 min
